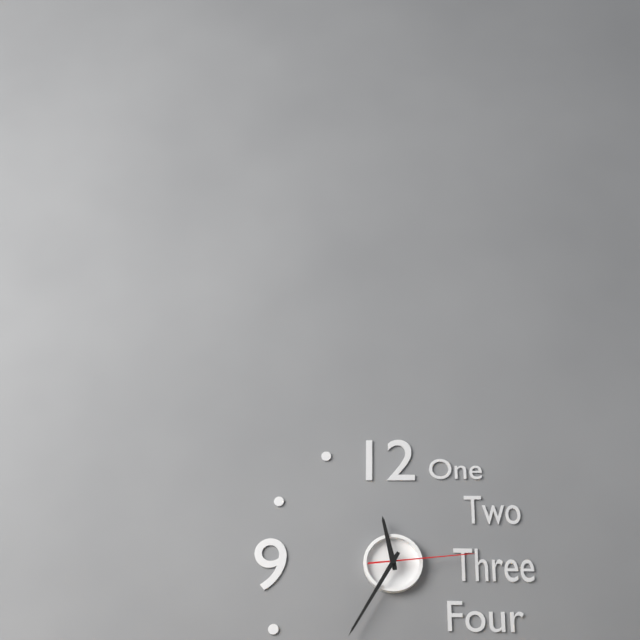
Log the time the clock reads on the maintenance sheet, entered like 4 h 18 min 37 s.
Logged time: 11 h 35 min 14 s
